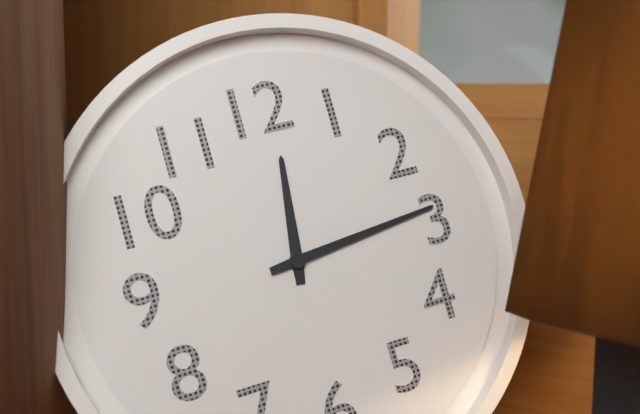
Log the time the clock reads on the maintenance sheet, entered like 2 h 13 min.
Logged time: 12 h 14 min
